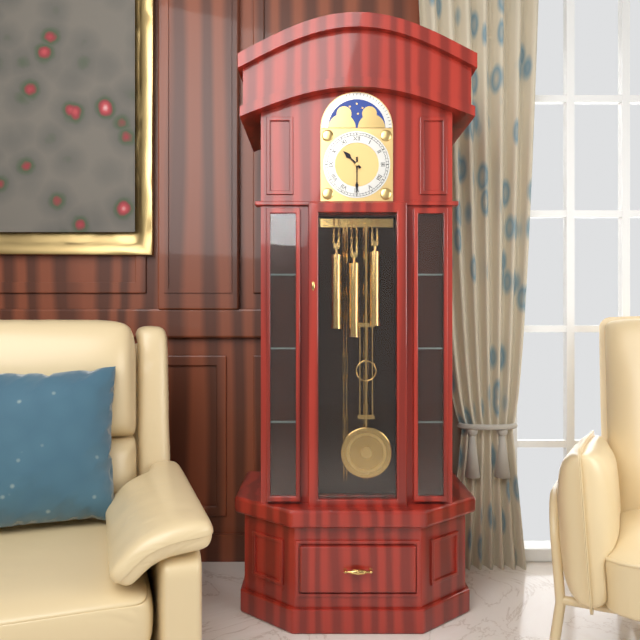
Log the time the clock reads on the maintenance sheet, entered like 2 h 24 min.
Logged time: 10 h 30 min
